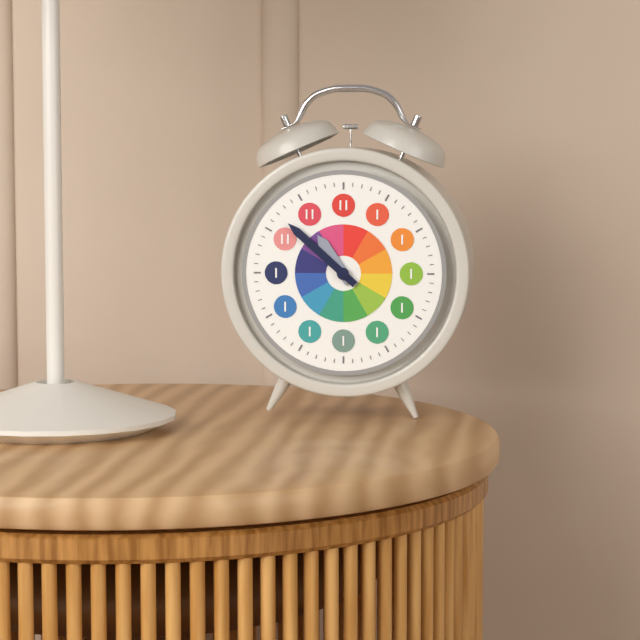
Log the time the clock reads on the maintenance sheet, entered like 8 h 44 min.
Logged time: 10 h 52 min
